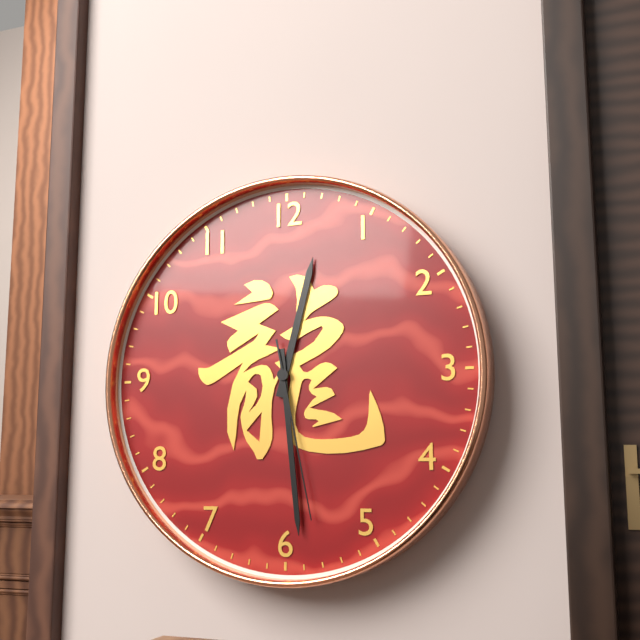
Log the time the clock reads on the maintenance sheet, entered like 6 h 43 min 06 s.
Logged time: 12 h 29 min 28 s
